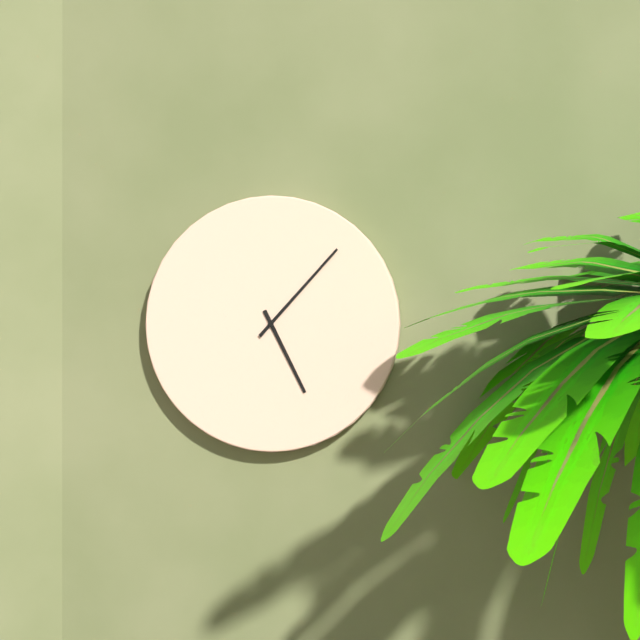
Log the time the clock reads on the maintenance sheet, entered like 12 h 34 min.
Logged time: 5 h 07 min
